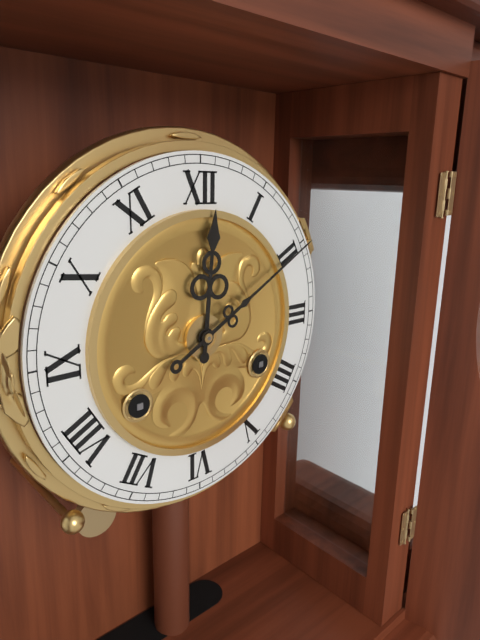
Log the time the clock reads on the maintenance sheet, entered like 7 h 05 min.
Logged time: 12 h 10 min
